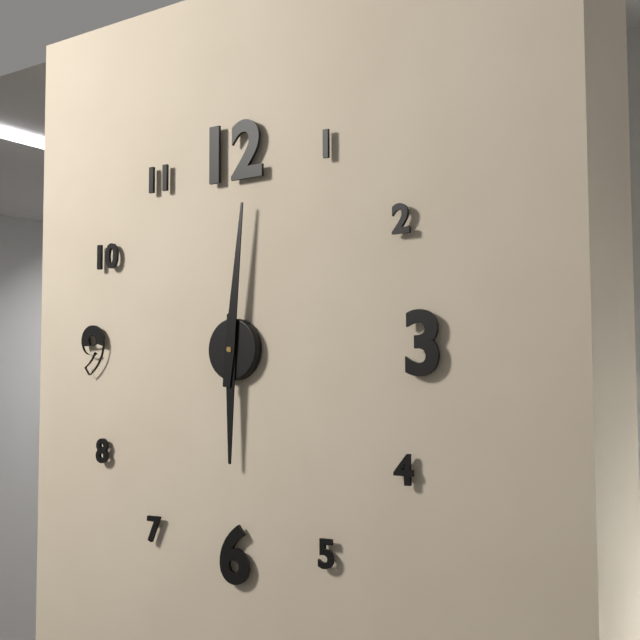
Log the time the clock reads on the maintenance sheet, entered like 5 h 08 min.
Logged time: 6 h 01 min
